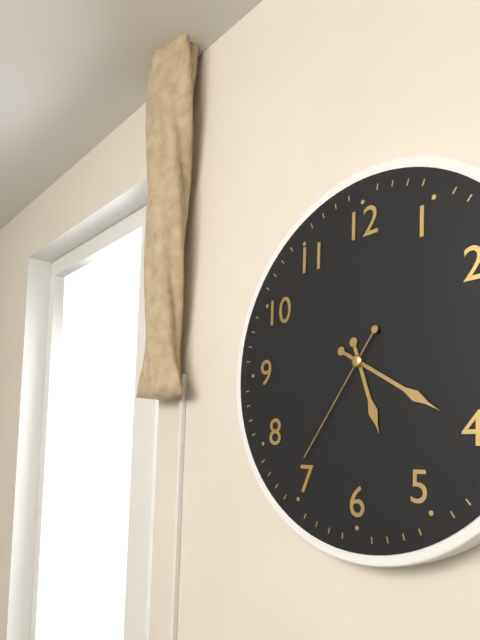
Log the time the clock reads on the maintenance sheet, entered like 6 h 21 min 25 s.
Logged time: 5 h 20 min 36 s
